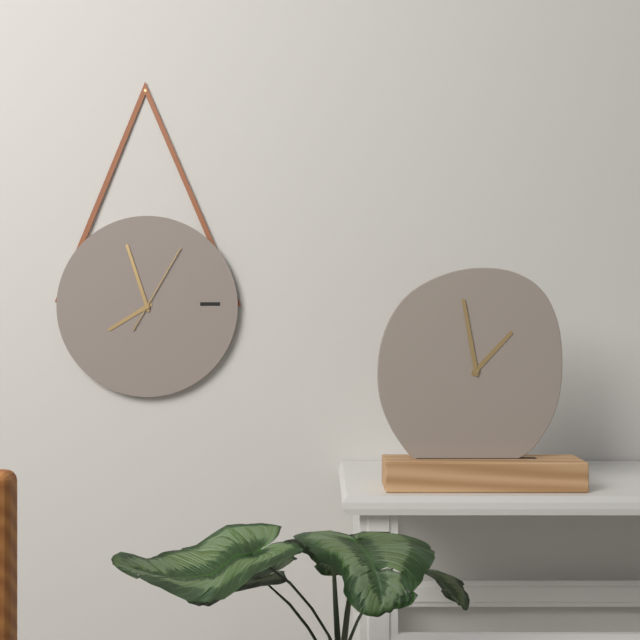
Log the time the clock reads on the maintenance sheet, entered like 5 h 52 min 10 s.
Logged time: 7 h 57 min 05 s
